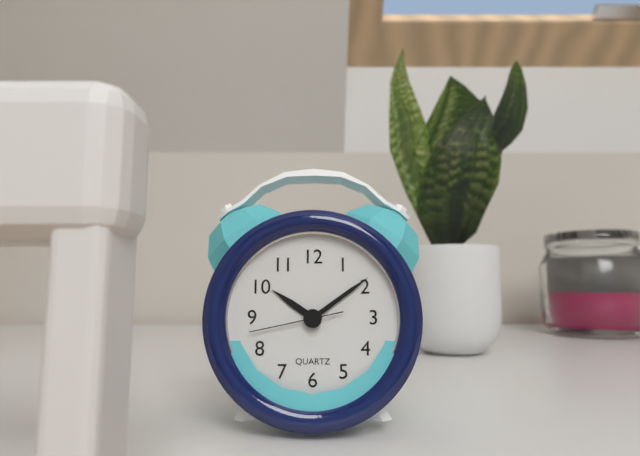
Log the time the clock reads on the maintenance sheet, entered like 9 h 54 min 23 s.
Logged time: 10 h 09 min 43 s
